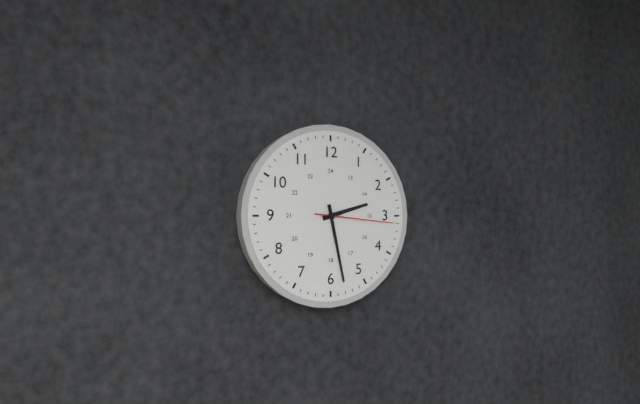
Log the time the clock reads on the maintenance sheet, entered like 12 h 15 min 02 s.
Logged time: 2 h 28 min 16 s
